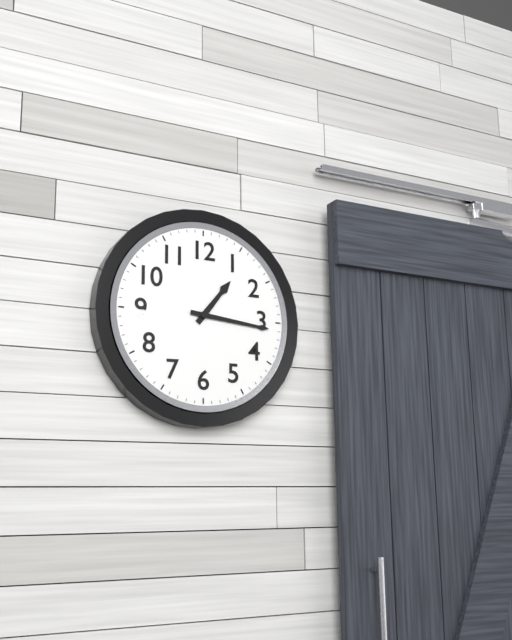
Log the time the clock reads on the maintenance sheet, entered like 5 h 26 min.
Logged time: 1 h 16 min
